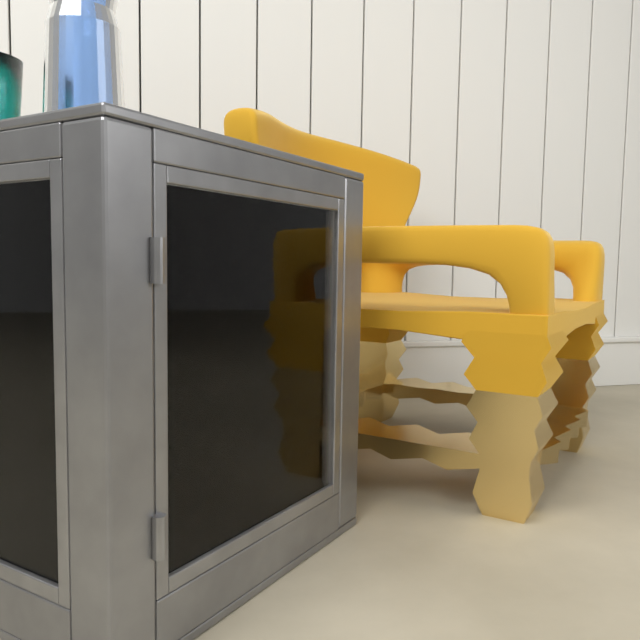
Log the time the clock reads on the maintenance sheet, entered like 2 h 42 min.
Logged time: 11 h 27 min
